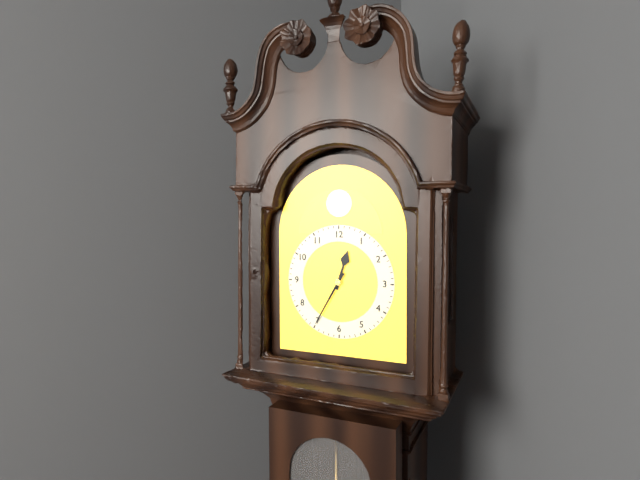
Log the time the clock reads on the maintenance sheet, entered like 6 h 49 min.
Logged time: 12 h 35 min
